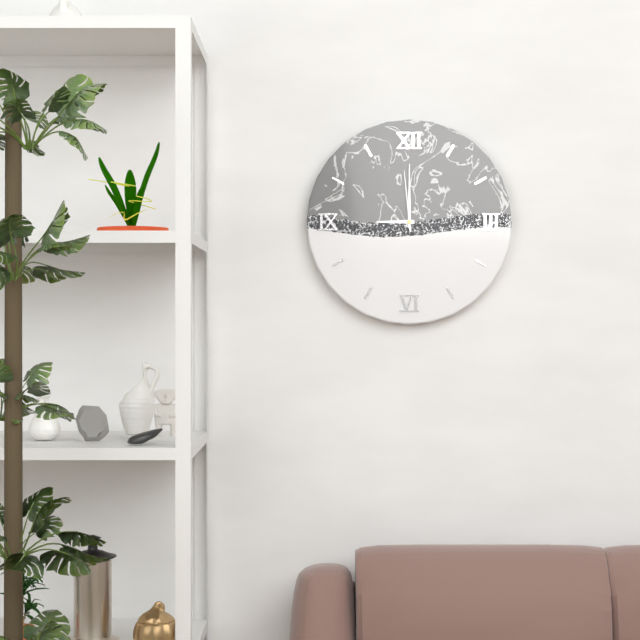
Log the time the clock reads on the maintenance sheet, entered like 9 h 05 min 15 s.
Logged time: 9 h 00 min 59 s
